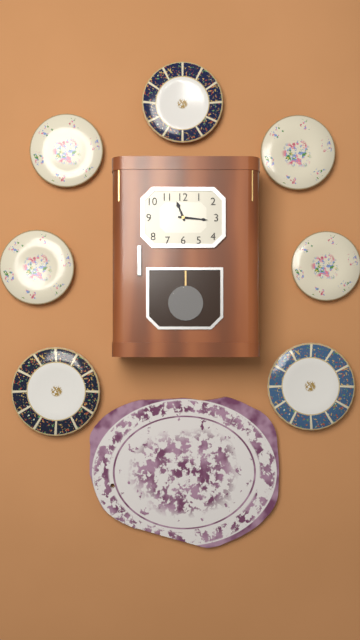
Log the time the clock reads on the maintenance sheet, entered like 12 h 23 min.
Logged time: 11 h 16 min
